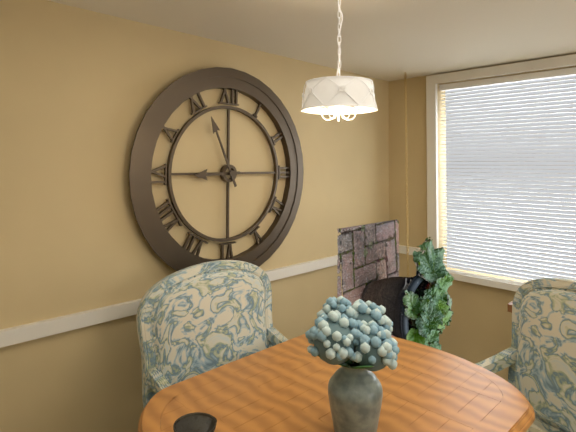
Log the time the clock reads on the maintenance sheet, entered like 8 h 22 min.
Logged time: 8 h 56 min
